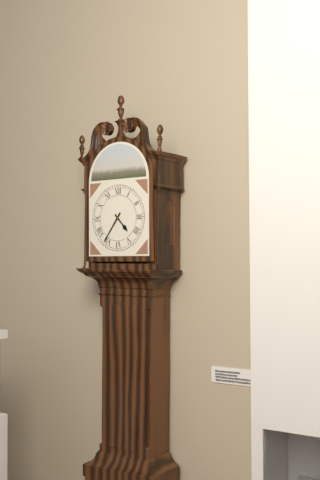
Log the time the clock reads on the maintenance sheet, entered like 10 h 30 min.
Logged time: 4 h 36 min
